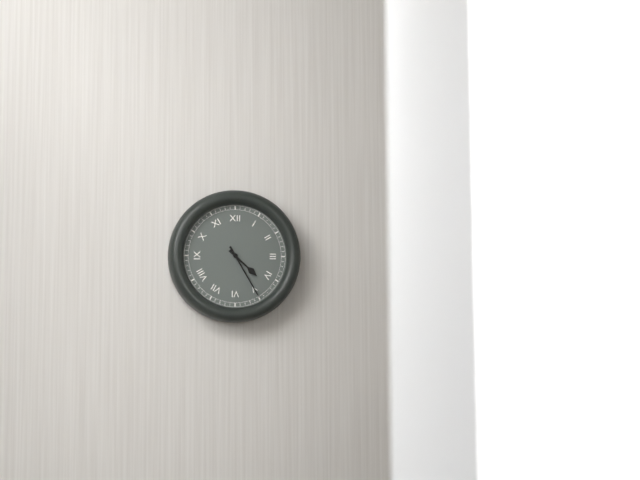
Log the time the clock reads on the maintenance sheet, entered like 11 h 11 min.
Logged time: 4 h 25 min
